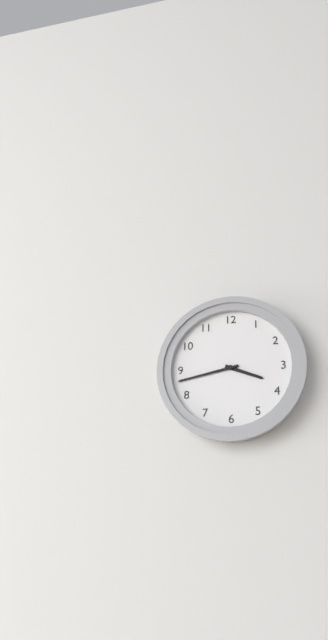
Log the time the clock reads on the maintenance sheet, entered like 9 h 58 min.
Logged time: 3 h 43 min
